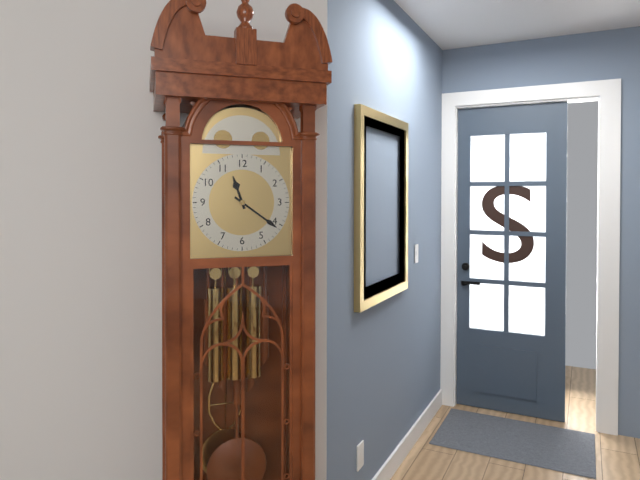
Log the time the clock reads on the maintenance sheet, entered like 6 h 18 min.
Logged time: 11 h 21 min
